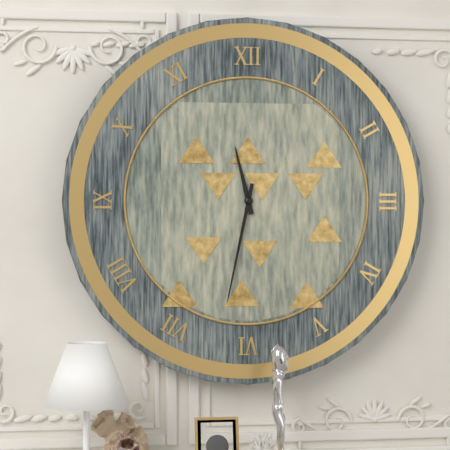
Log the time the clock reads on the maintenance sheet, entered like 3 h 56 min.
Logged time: 11 h 32 min
